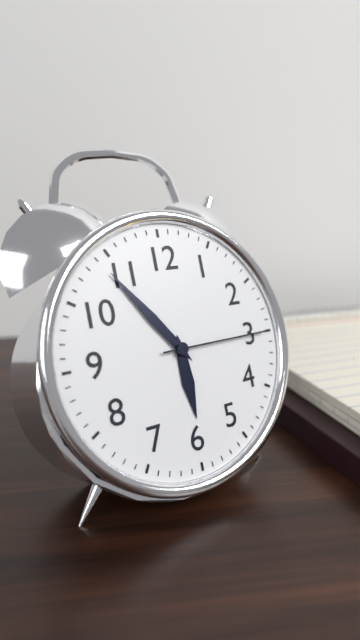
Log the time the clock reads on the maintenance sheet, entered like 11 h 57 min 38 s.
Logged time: 5 h 54 min 15 s
